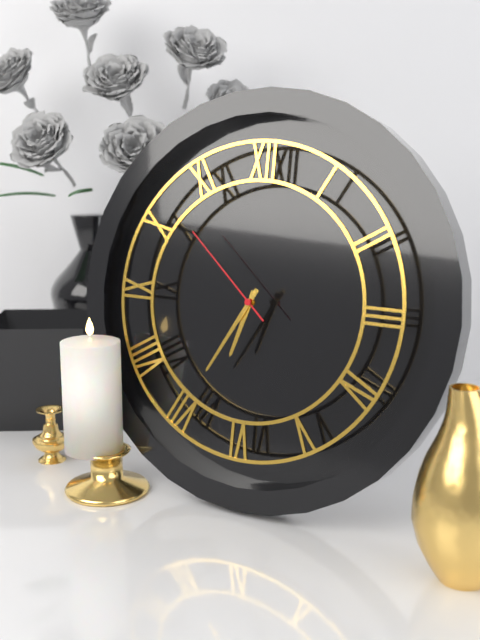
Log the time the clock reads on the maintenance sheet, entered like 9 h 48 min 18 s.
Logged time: 6 h 35 min 52 s
